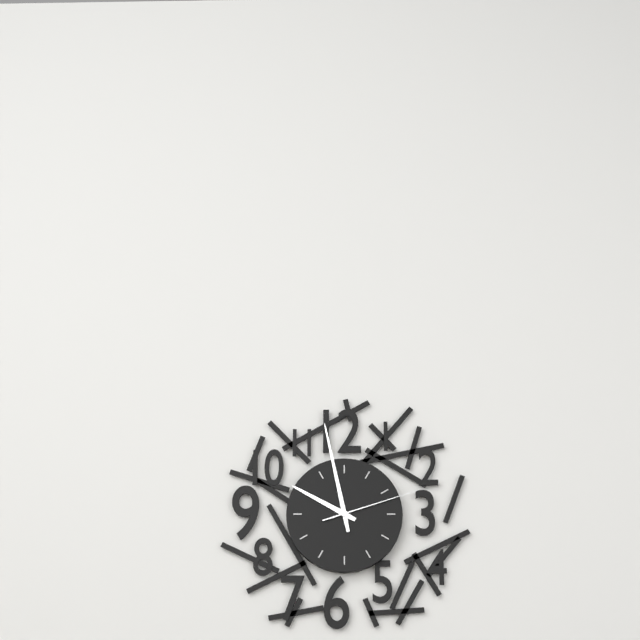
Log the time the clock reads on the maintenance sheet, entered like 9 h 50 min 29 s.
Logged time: 9 h 58 min 12 s
